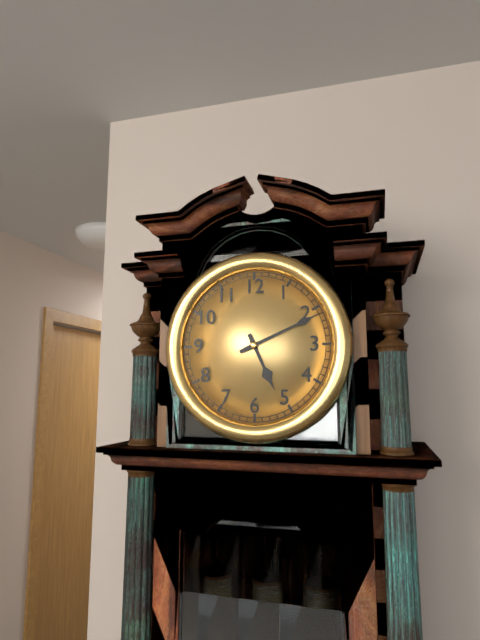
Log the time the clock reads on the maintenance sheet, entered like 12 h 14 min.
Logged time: 5 h 11 min
